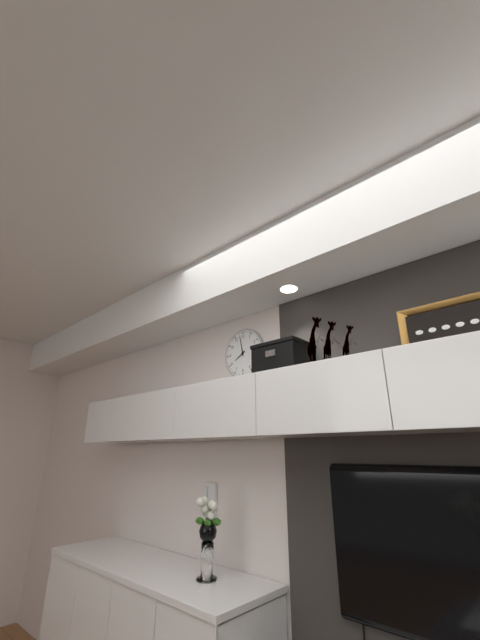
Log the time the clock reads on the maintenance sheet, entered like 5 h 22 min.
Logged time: 7 h 58 min
